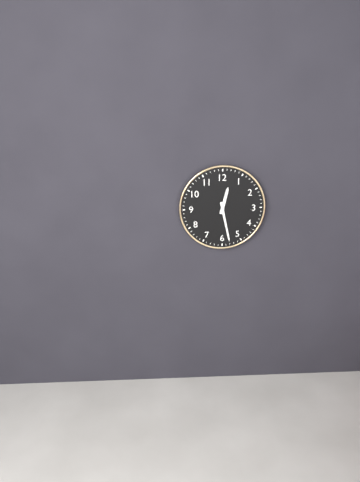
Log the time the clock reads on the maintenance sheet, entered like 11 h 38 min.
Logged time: 12 h 28 min
